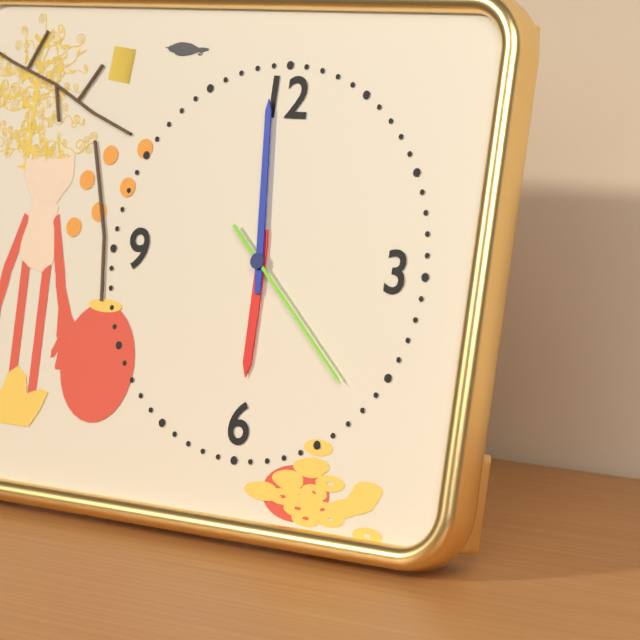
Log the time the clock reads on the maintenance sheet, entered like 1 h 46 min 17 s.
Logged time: 5 h 59 min 22 s
